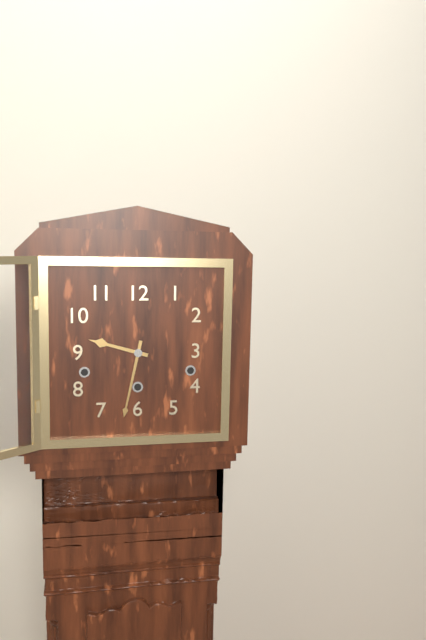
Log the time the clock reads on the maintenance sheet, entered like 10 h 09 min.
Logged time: 9 h 32 min
